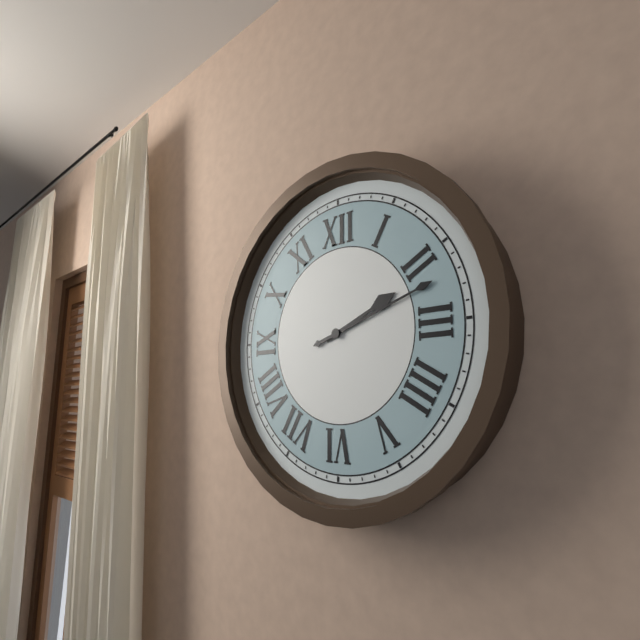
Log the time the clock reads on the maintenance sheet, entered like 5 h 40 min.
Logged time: 2 h 12 min
